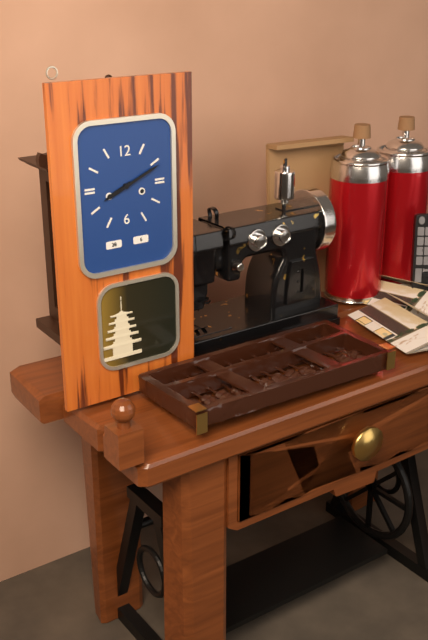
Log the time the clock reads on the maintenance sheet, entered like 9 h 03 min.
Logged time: 8 h 11 min
